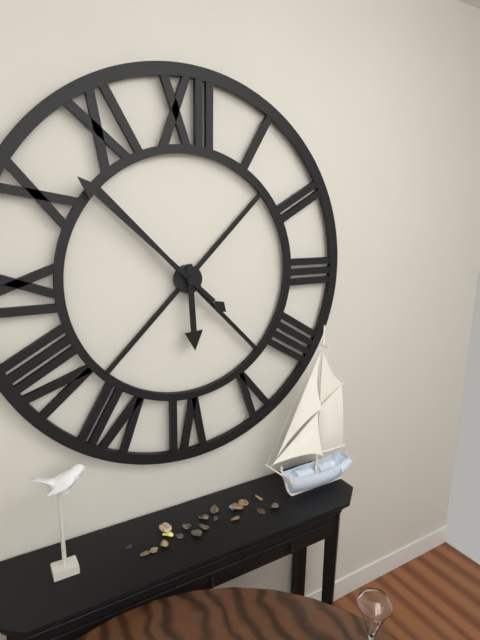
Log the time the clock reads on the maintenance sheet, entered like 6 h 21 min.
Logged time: 5 h 52 min
